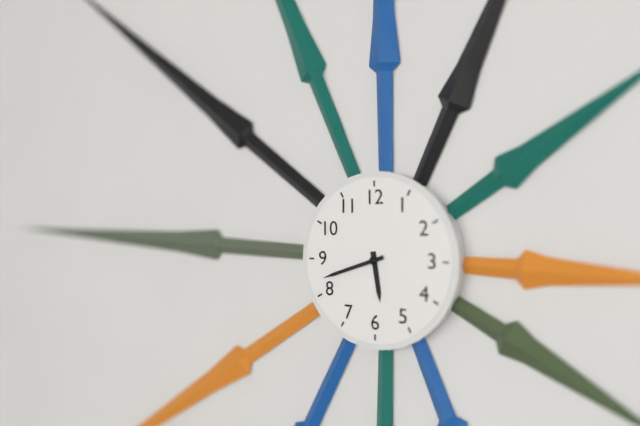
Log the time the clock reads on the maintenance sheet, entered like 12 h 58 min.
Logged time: 5 h 42 min
